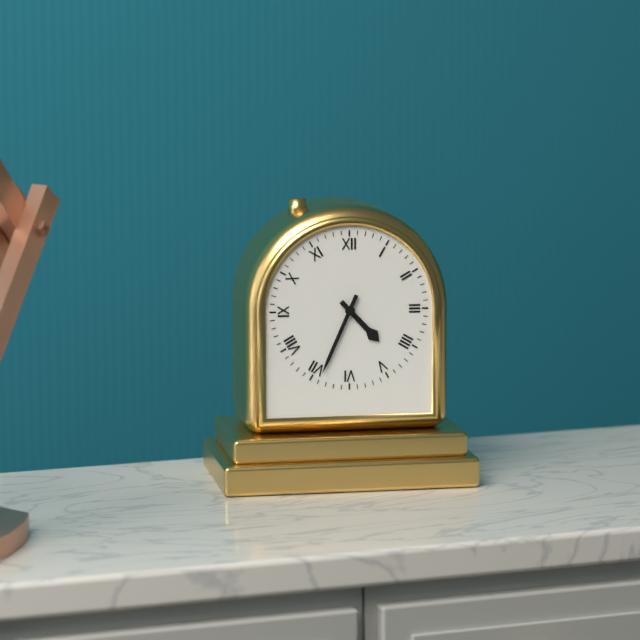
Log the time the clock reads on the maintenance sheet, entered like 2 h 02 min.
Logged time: 4 h 34 min
